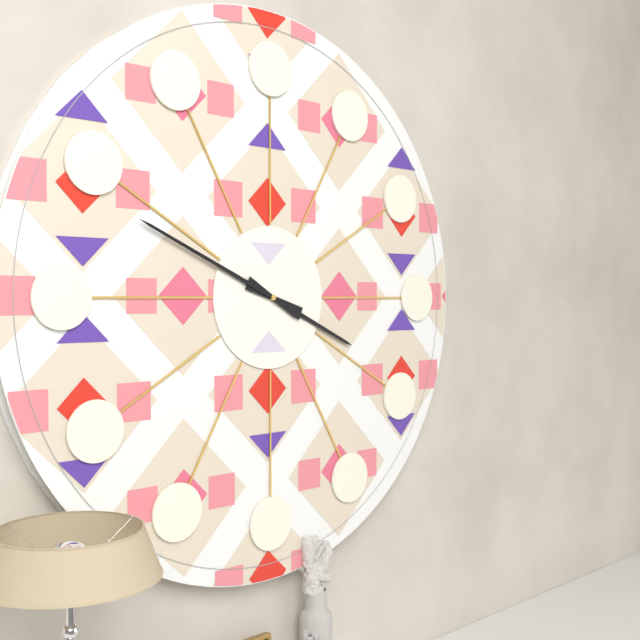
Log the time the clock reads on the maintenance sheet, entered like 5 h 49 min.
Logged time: 3 h 49 min
